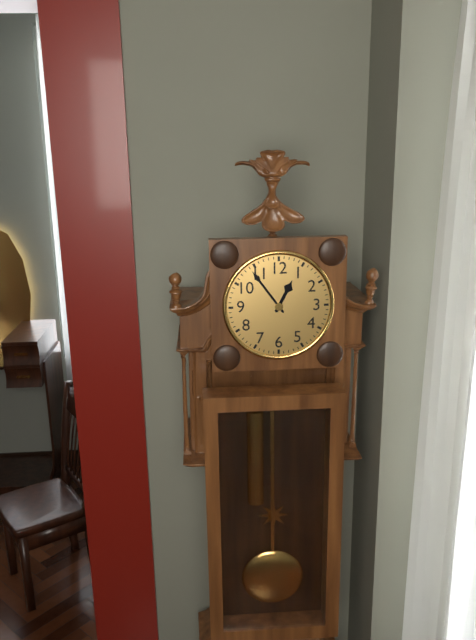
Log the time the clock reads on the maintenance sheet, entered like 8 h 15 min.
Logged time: 12 h 54 min
